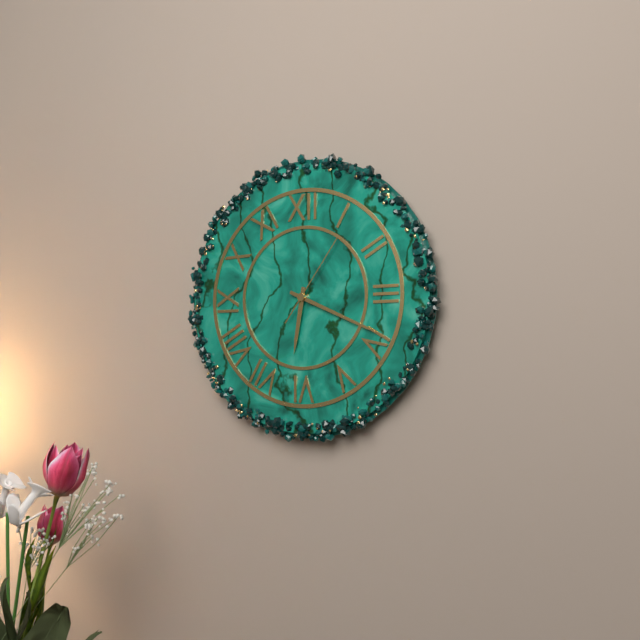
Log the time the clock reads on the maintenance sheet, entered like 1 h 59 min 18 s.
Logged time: 6 h 19 min 06 s
